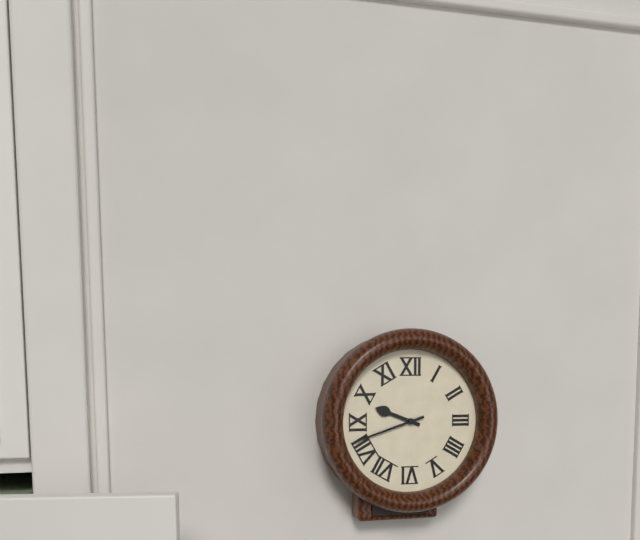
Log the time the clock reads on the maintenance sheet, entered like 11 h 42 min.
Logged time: 9 h 42 min
